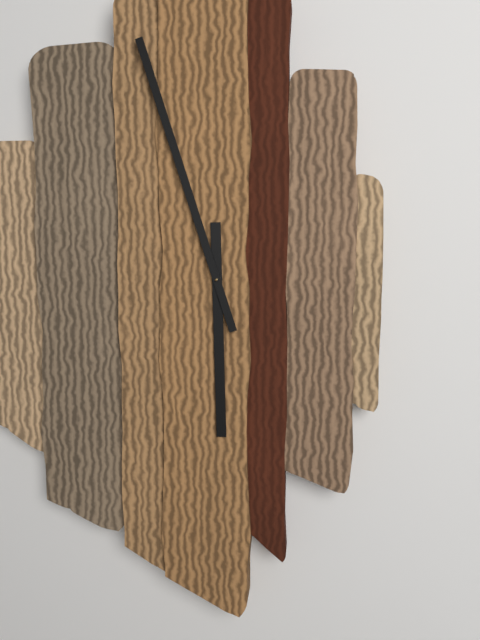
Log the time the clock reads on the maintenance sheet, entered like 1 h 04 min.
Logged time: 5 h 57 min
